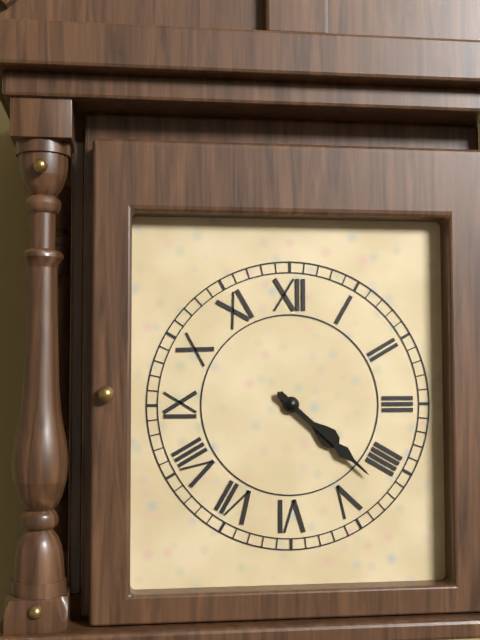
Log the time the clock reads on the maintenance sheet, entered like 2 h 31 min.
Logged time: 4 h 22 min
